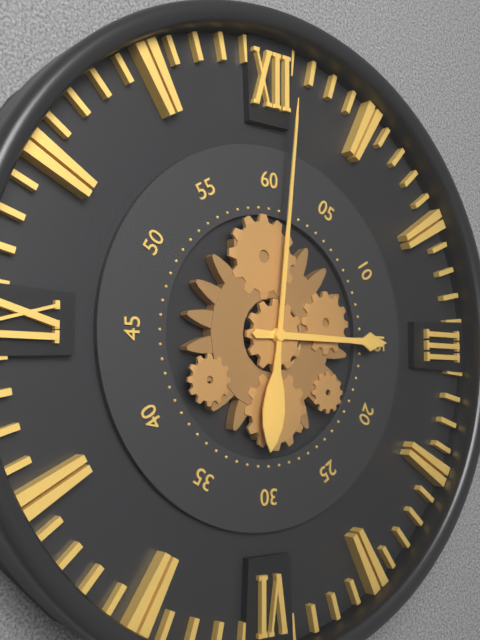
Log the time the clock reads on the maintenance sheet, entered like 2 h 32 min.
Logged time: 3 h 01 min
